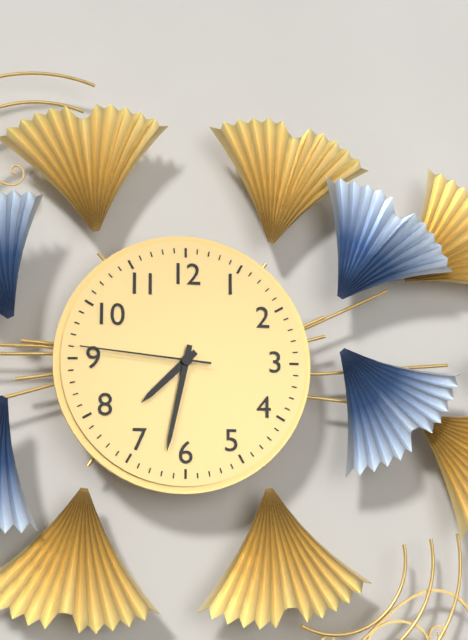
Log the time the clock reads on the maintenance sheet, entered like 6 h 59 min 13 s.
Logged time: 7 h 32 min 46 s
